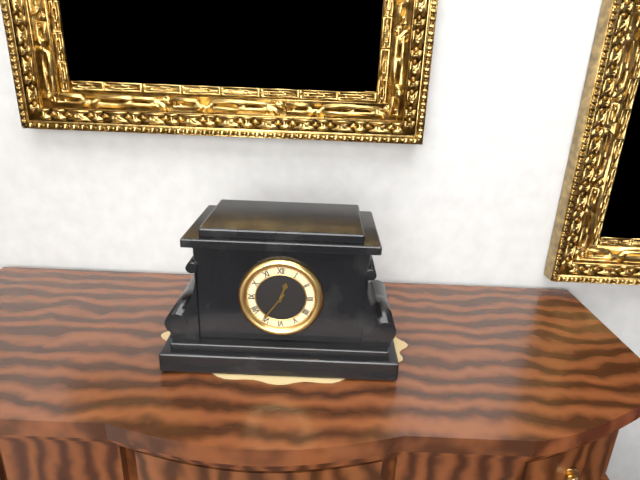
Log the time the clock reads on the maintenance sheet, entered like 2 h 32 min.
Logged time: 12 h 36 min
